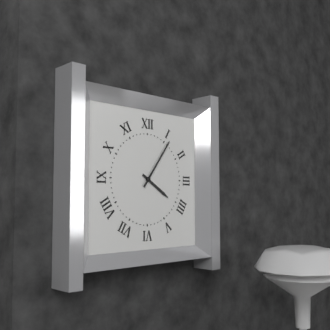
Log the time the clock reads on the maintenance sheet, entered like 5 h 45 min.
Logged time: 4 h 06 min
